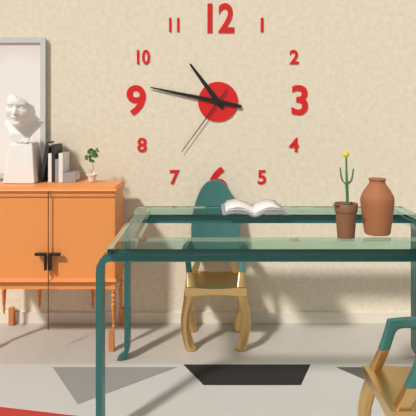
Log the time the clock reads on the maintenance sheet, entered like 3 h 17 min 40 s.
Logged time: 10 h 47 min 36 s
